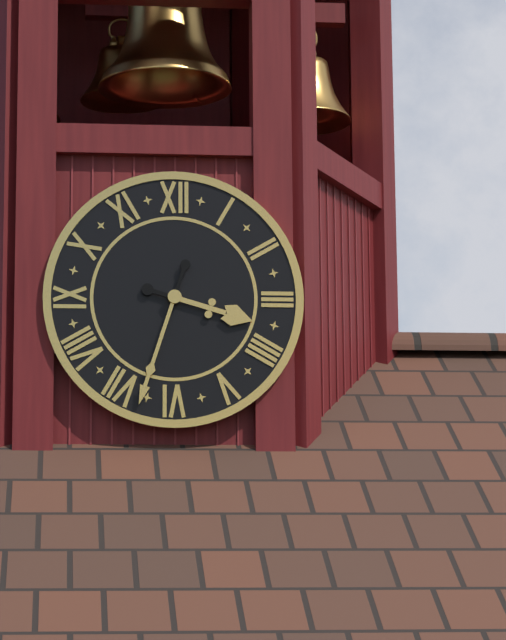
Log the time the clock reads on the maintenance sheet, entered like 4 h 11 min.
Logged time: 3 h 33 min
